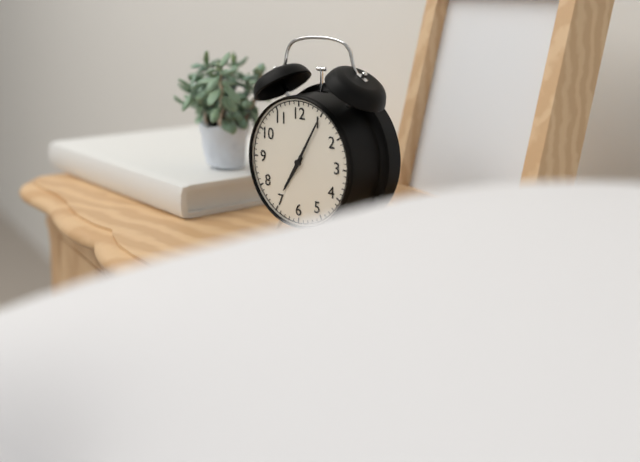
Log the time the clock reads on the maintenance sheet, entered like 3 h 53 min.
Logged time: 7 h 05 min
